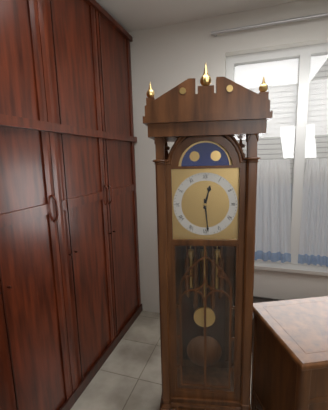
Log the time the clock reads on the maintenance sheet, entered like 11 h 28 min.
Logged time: 12 h 29 min
